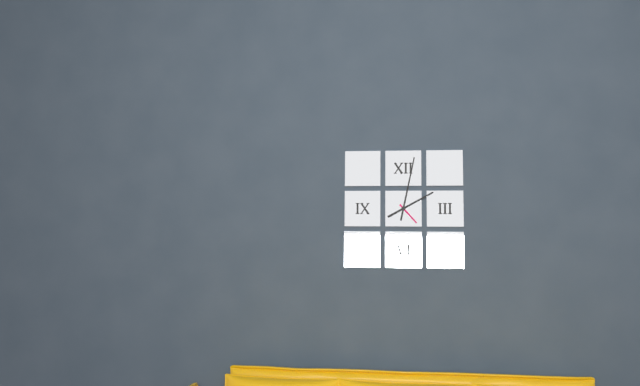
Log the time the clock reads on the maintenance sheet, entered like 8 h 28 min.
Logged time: 2 h 02 min
